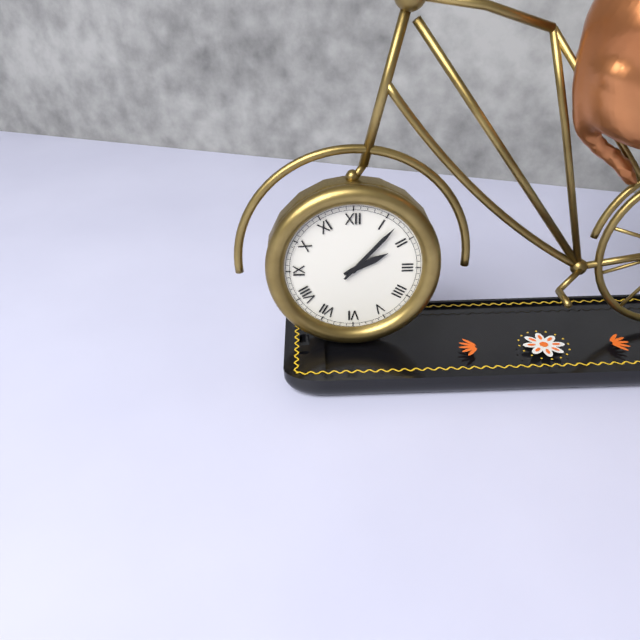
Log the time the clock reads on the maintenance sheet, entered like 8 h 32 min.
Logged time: 2 h 07 min
